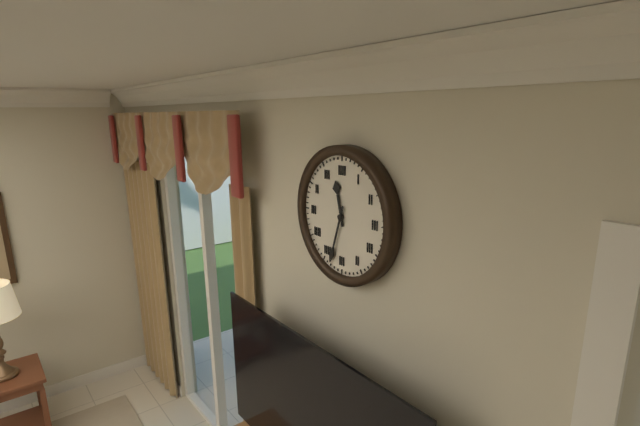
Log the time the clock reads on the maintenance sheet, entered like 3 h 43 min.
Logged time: 11 h 33 min
